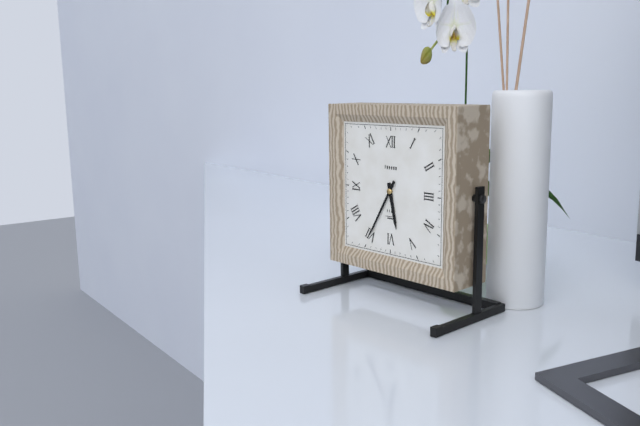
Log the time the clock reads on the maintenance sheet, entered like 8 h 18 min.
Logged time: 5 h 35 min
